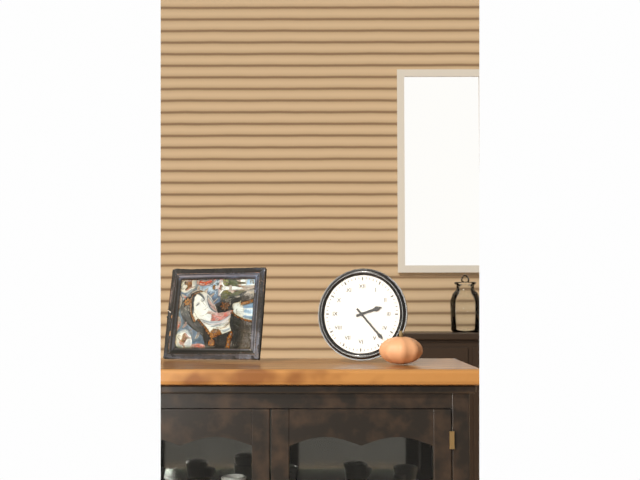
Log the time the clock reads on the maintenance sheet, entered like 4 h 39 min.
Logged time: 2 h 23 min
